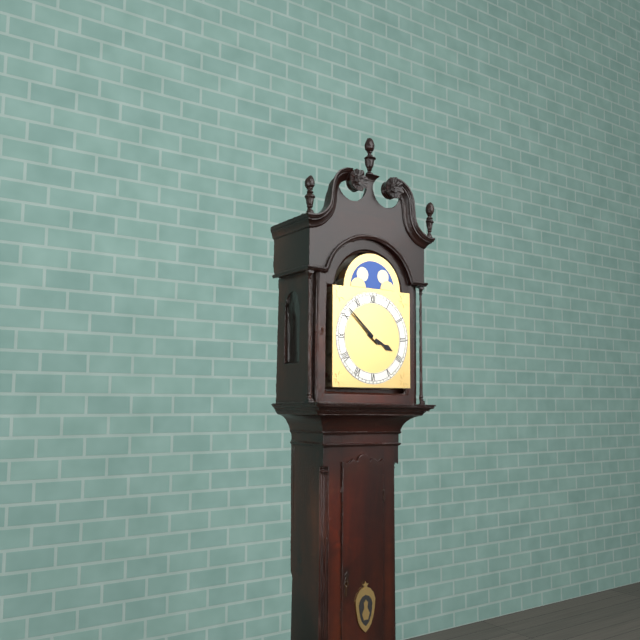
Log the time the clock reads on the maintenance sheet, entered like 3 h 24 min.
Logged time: 3 h 52 min
